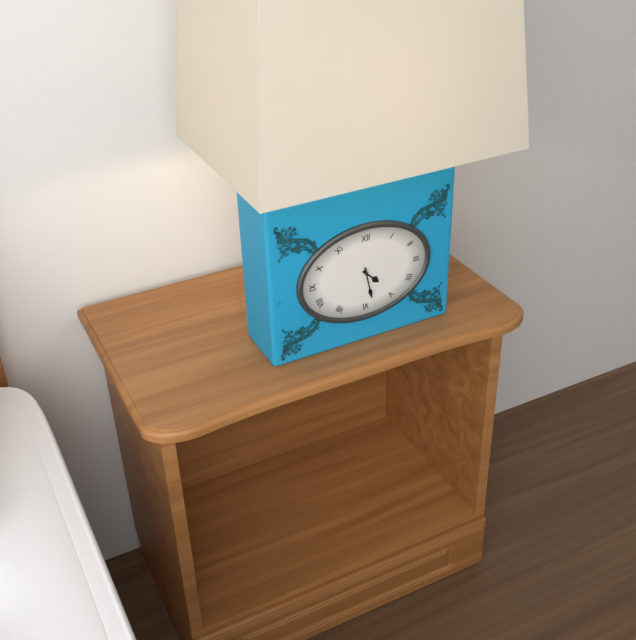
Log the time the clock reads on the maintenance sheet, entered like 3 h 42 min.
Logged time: 4 h 28 min
